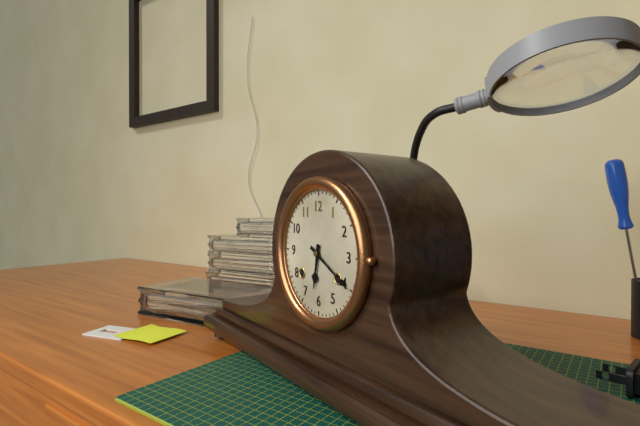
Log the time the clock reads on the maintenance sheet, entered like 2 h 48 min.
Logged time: 6 h 20 min
